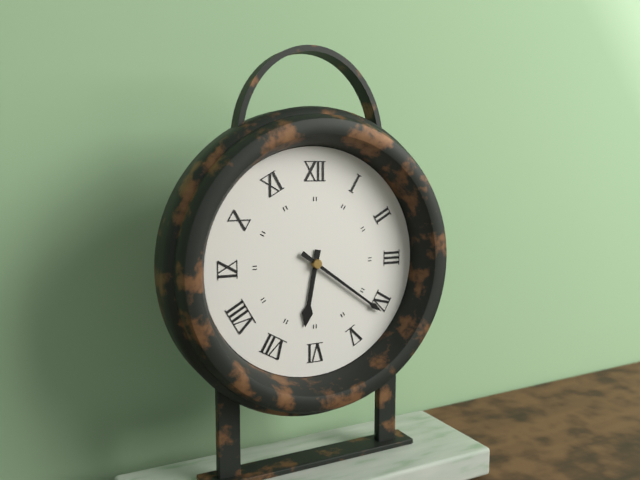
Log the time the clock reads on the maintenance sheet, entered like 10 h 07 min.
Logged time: 6 h 21 min
